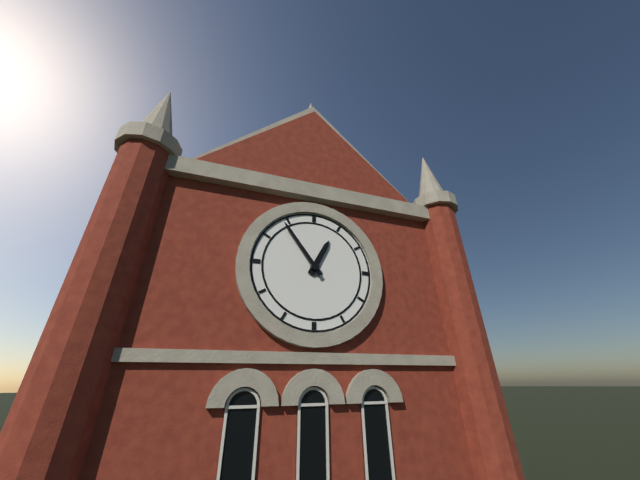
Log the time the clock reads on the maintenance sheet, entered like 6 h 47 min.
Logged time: 12 h 54 min
